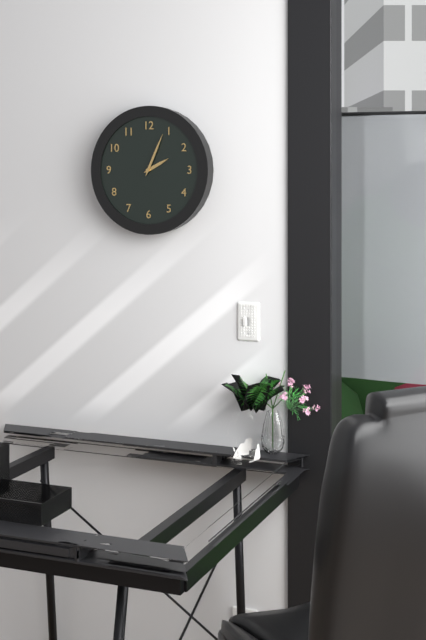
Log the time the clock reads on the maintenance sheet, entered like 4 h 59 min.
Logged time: 2 h 04 min
